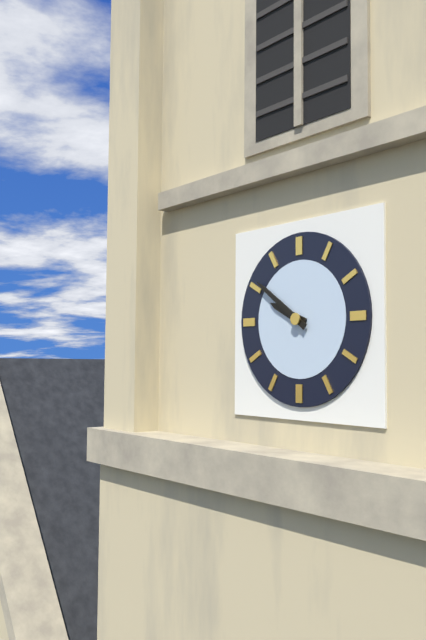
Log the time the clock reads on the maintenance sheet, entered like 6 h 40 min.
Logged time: 9 h 51 min
